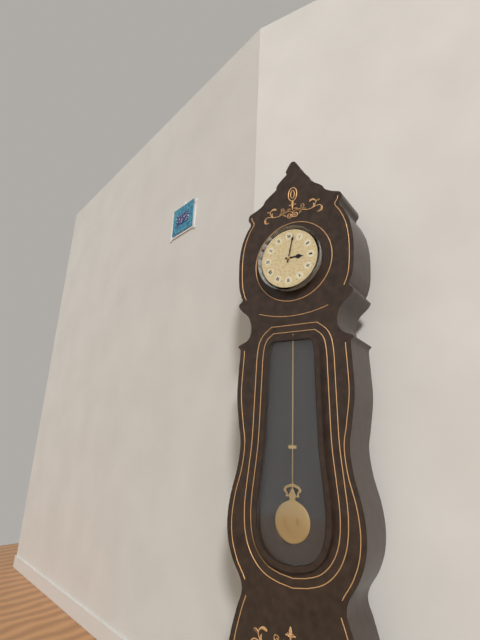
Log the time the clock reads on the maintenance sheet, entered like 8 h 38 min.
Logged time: 3 h 02 min
